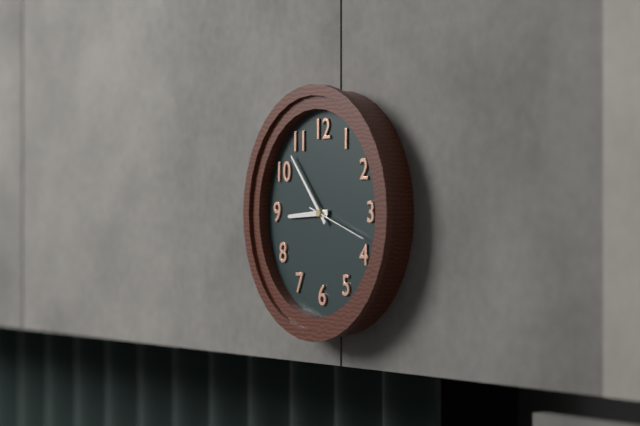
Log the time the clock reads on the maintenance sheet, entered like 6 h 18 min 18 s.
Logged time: 8 h 53 min 18 s
